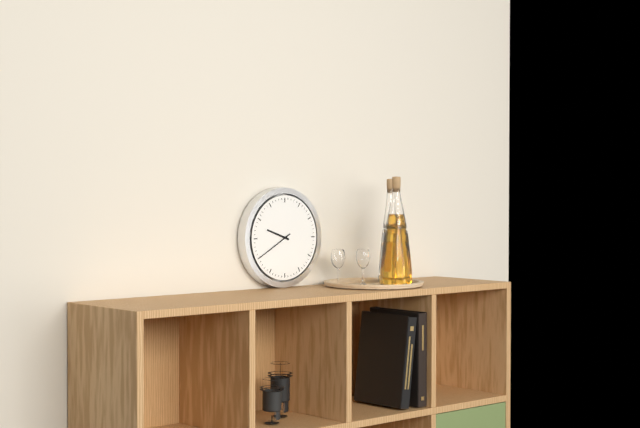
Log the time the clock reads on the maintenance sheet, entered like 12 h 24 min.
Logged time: 9 h 40 min
